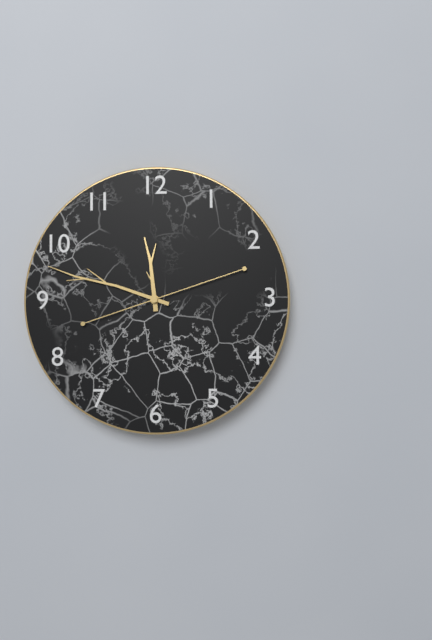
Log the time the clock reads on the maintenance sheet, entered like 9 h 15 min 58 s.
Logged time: 11 h 48 min 12 s
